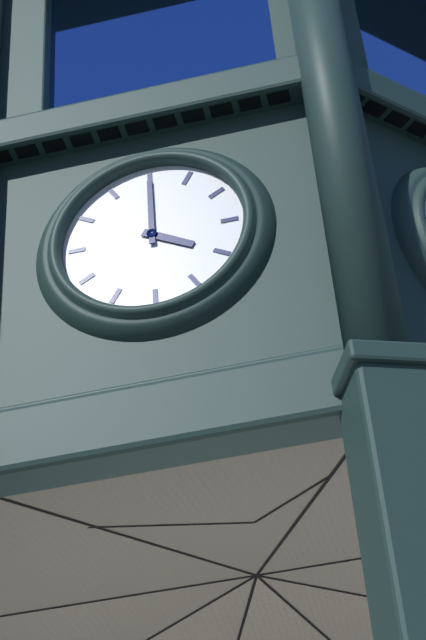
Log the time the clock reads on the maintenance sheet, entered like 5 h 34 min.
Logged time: 4 h 00 min
